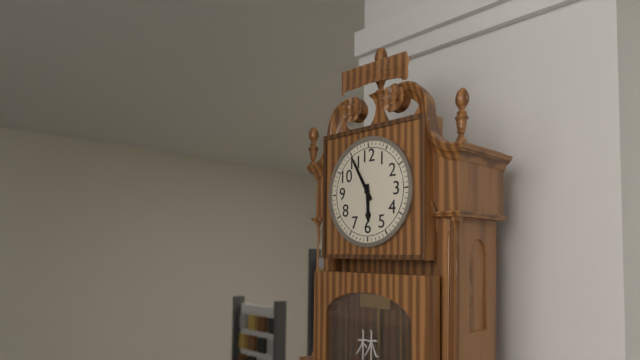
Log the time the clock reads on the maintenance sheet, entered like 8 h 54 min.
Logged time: 5 h 55 min
